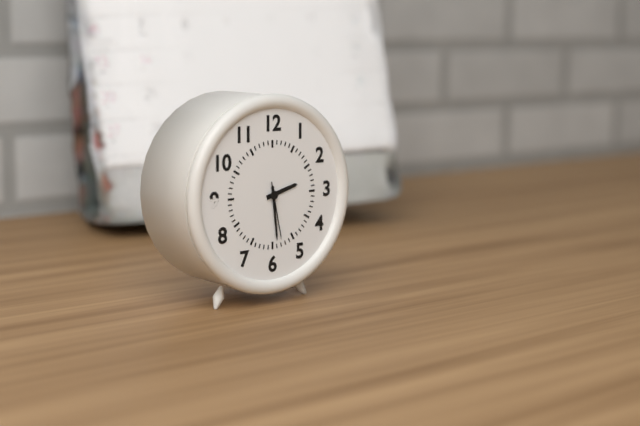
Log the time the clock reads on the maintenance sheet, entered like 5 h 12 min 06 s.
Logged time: 2 h 29 min 28 s
